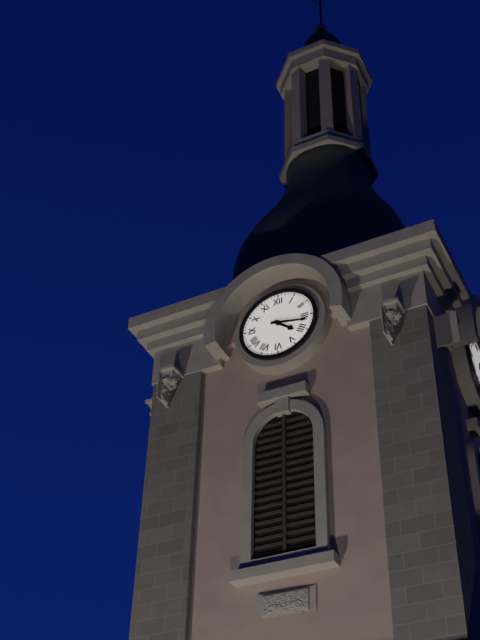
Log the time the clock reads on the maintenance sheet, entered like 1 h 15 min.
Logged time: 4 h 17 min
